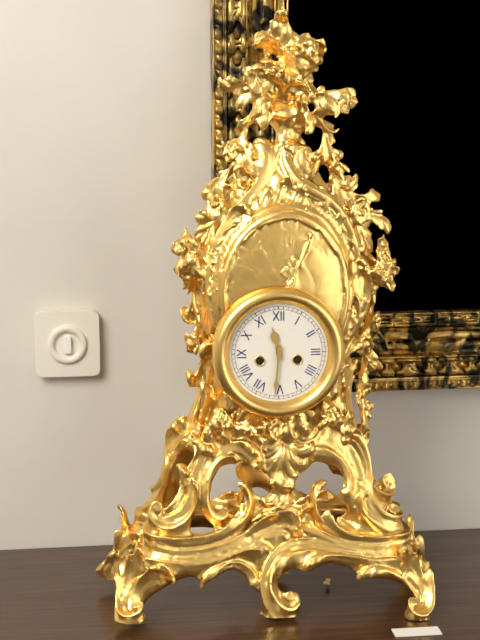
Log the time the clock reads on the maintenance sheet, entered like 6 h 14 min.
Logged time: 11 h 31 min
